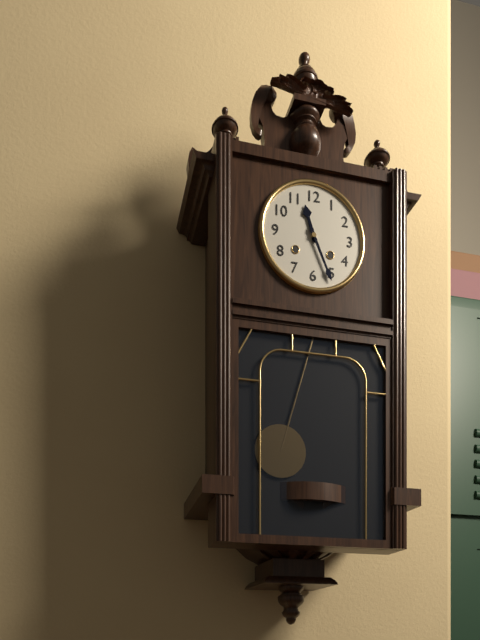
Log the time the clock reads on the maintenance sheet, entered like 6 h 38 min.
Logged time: 11 h 26 min
